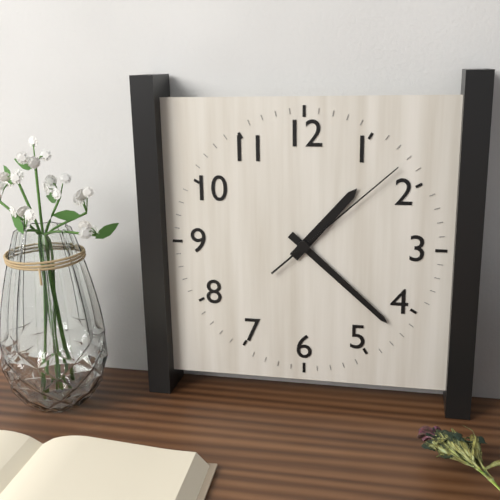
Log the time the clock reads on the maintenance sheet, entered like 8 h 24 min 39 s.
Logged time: 1 h 22 min 08 s
